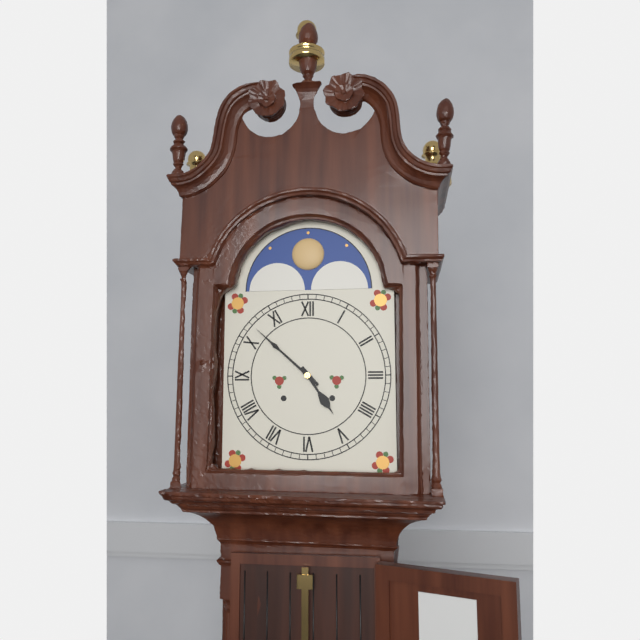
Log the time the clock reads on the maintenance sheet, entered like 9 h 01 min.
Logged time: 4 h 52 min
